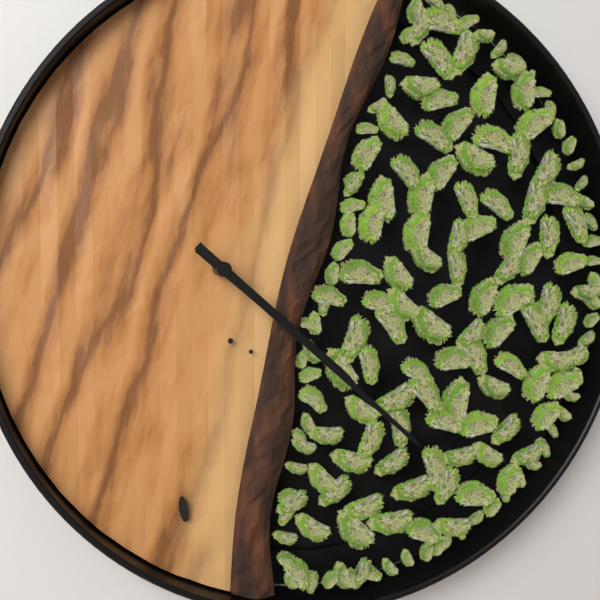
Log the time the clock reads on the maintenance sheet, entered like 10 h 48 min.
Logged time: 4 h 22 min
